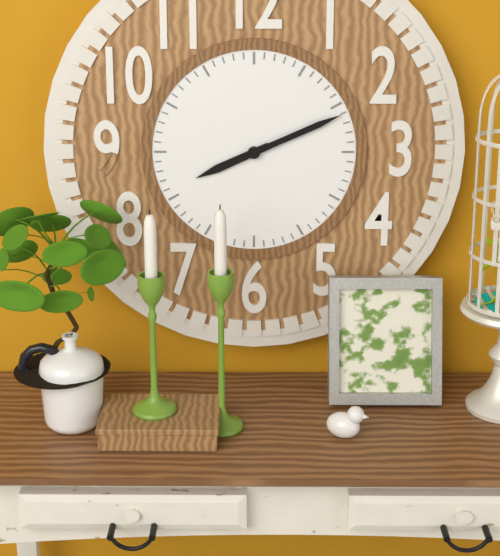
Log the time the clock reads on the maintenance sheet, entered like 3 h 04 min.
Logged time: 8 h 11 min
